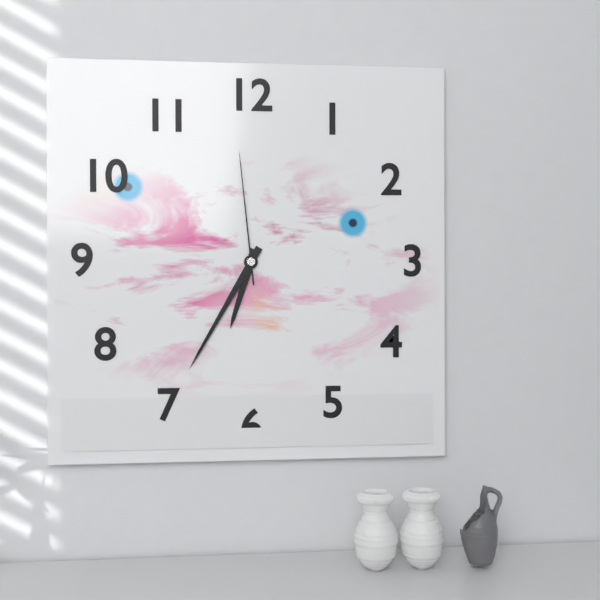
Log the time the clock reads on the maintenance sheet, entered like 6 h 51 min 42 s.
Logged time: 6 h 35 min 59 s
